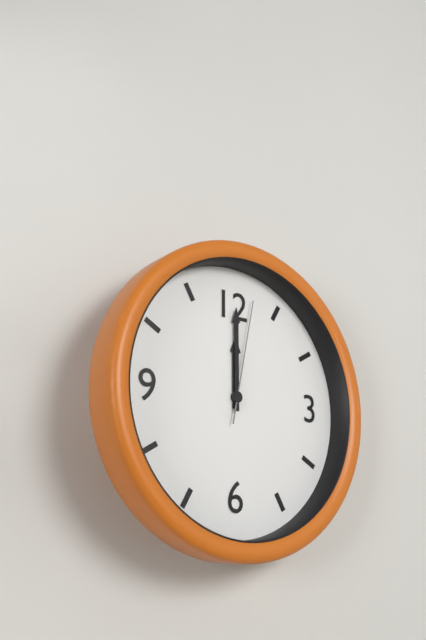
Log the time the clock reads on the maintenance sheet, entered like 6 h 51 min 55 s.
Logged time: 12 h 00 min 02 s
